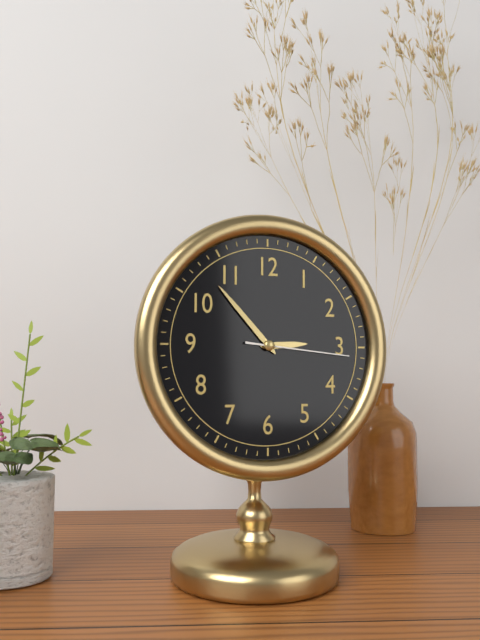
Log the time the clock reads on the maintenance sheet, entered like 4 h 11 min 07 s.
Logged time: 2 h 53 min 16 s
